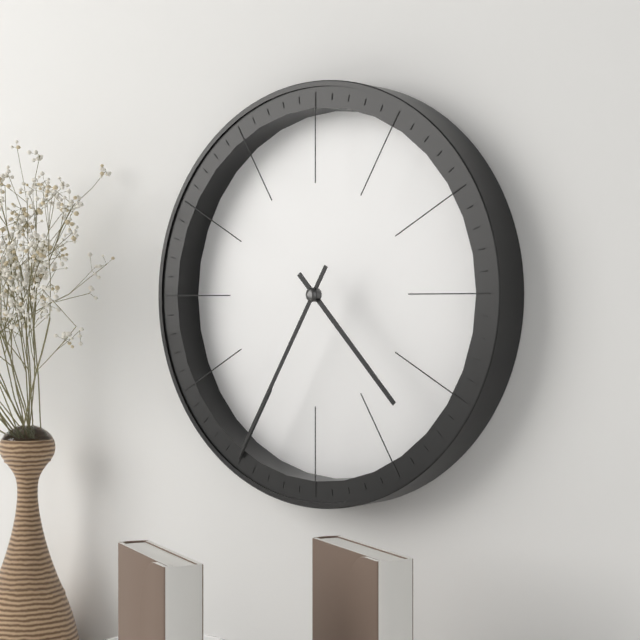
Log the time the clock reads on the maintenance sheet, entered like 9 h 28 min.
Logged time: 4 h 35 min
